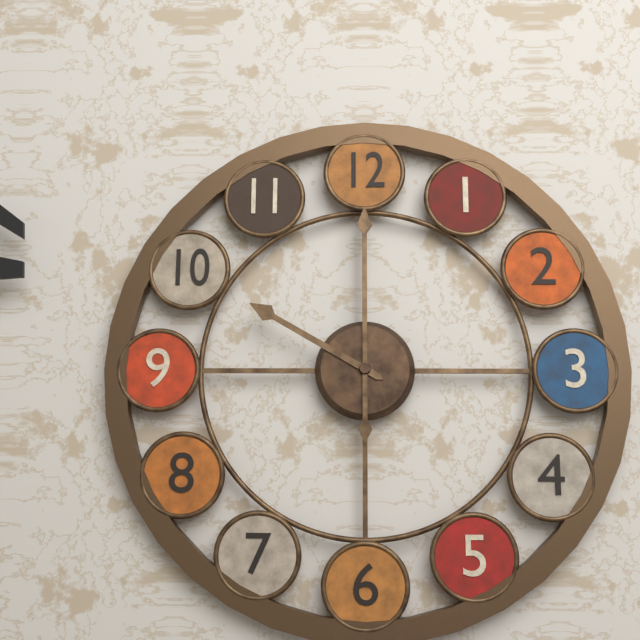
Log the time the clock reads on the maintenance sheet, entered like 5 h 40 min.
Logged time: 10 h 00 min
